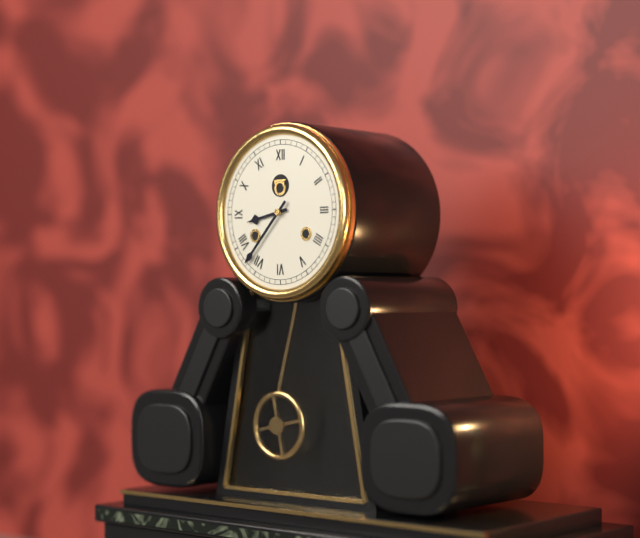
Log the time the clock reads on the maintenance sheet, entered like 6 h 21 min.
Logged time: 8 h 37 min
